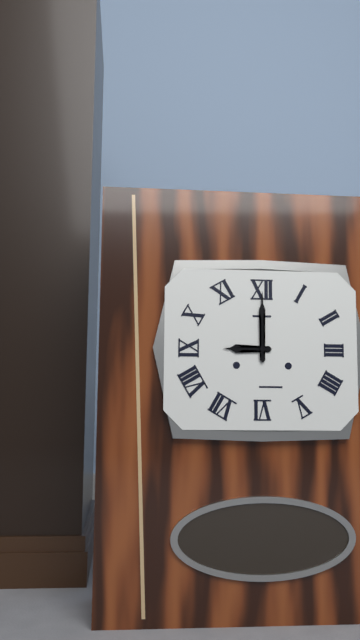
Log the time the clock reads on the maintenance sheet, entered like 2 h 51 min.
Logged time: 9 h 00 min
